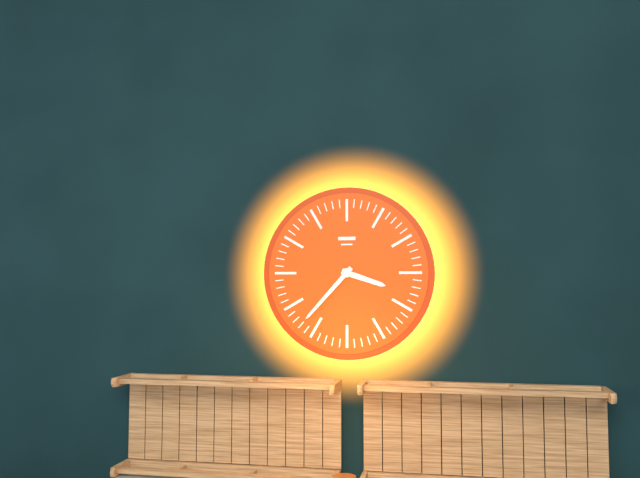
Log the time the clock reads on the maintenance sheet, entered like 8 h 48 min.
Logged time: 3 h 37 min
